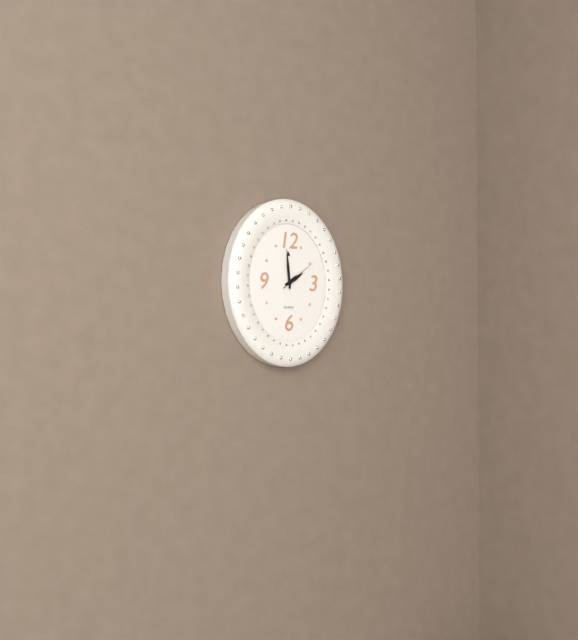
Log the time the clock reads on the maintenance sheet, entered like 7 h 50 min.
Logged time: 1 h 59 min
